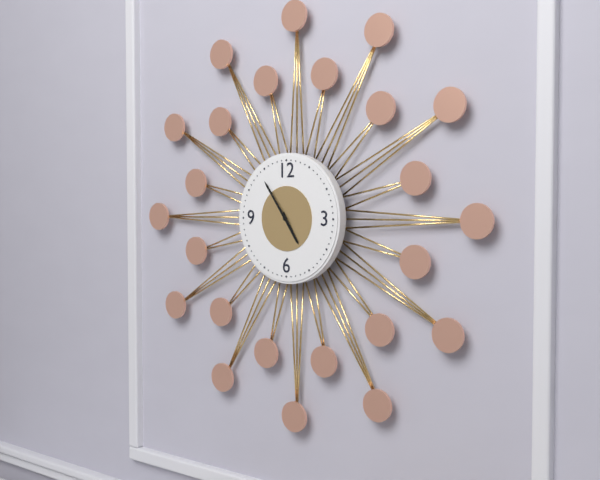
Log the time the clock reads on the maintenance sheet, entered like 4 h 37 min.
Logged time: 4 h 54 min
